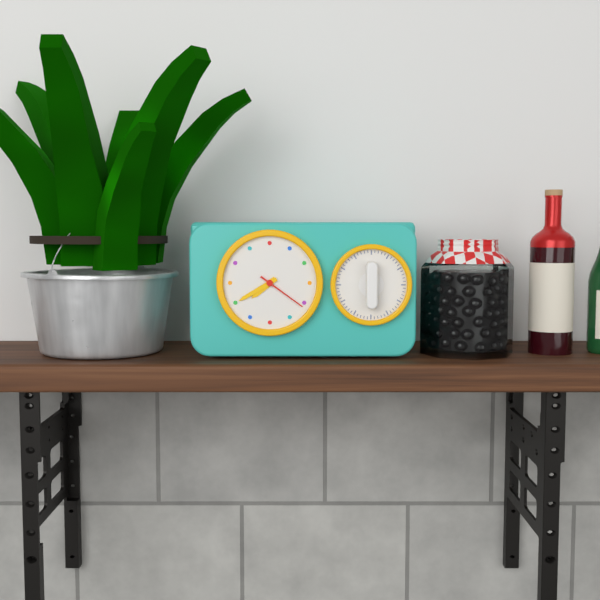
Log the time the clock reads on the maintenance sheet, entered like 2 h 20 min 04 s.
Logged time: 7 h 40 min 21 s
